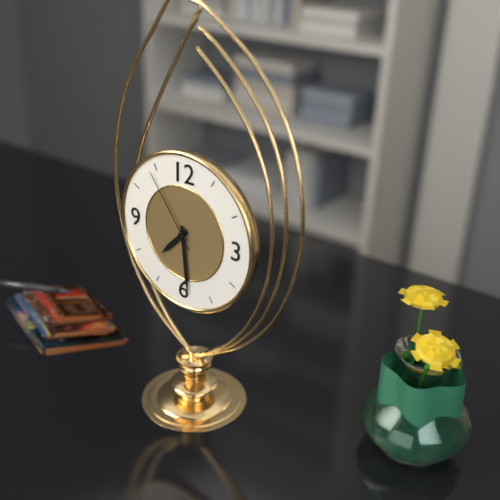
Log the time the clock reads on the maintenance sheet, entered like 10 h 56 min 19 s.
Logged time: 7 h 29 min 54 s
